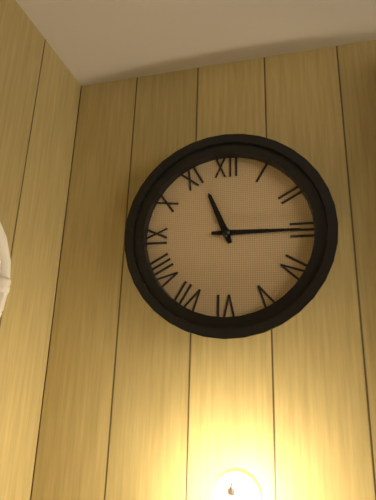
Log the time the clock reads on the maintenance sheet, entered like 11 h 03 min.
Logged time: 11 h 15 min
